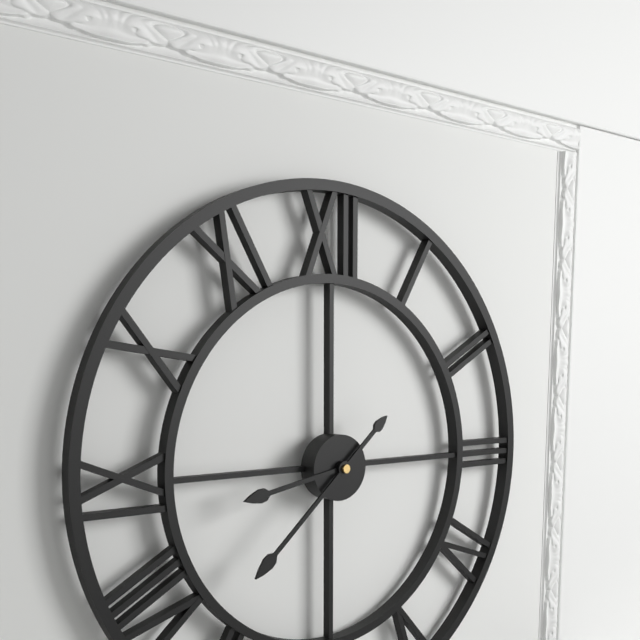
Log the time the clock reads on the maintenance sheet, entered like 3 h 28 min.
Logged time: 8 h 38 min
